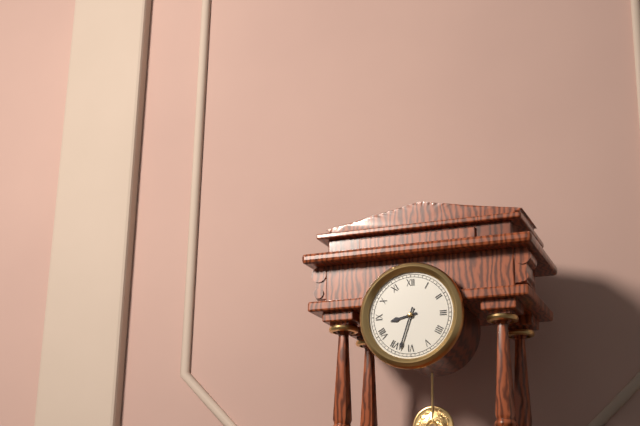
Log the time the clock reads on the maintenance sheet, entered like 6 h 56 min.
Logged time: 8 h 33 min
